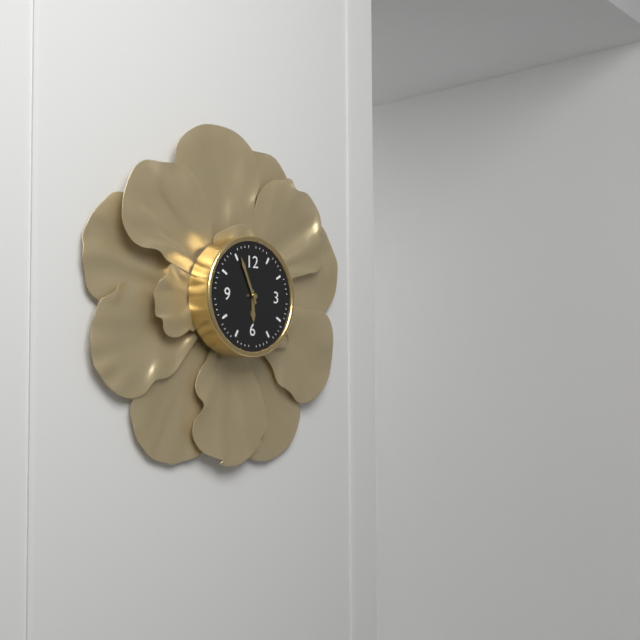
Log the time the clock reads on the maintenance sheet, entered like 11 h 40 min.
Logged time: 5 h 56 min
